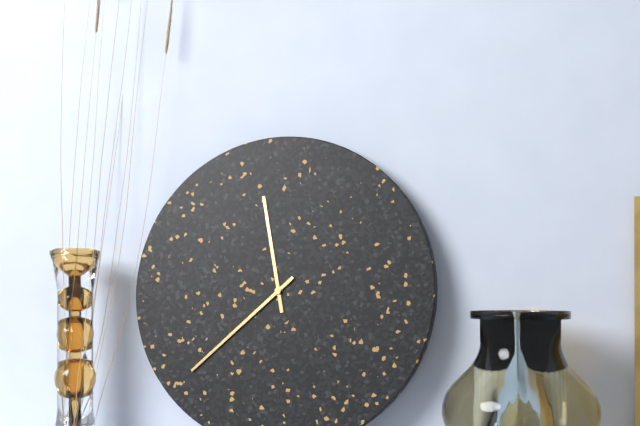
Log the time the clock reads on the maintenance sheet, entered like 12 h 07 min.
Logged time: 11 h 38 min
